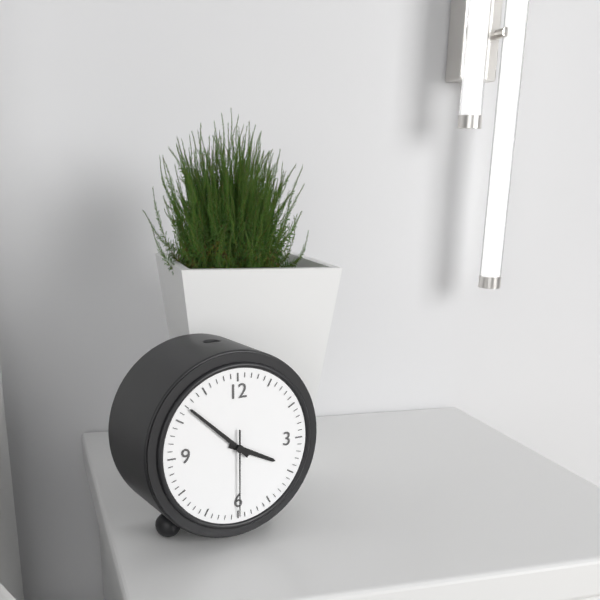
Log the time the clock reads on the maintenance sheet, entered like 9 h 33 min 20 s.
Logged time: 3 h 52 min 30 s
